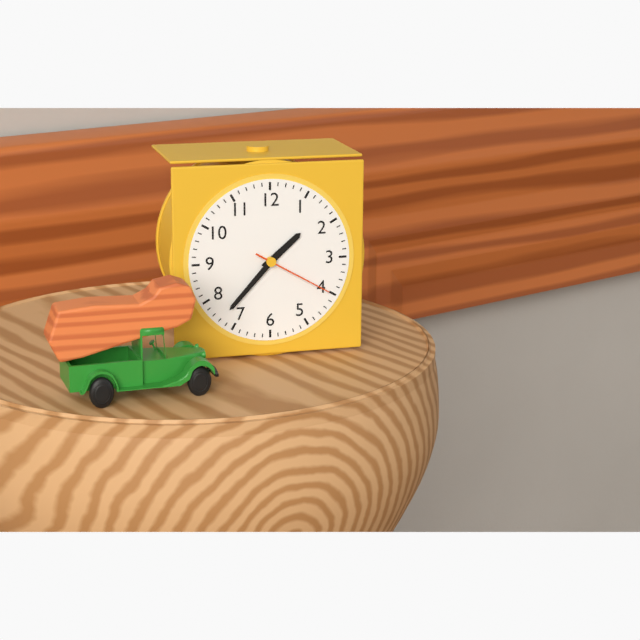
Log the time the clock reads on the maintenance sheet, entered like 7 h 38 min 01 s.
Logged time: 1 h 37 min 20 s
